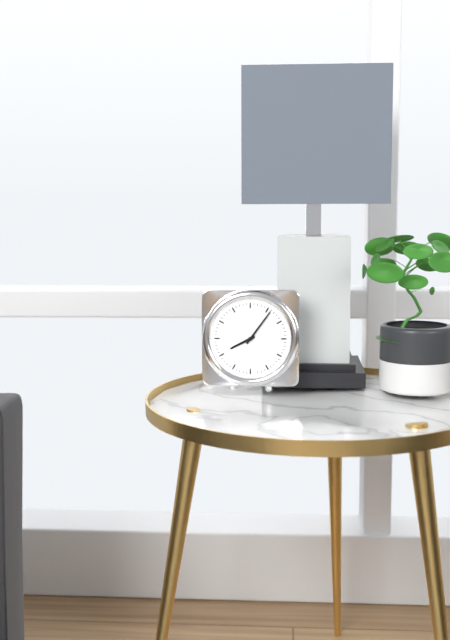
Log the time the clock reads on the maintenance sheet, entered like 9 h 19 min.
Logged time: 8 h 06 min
